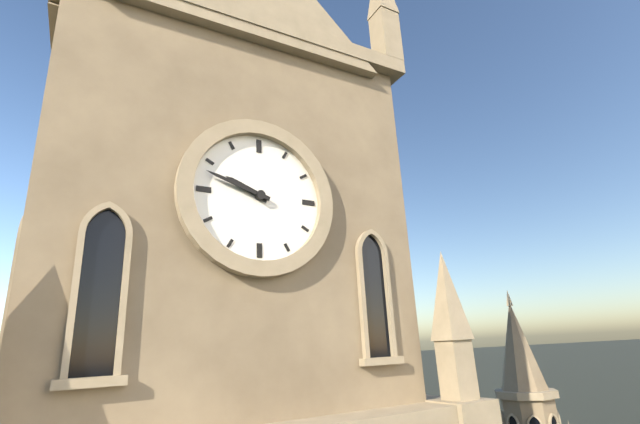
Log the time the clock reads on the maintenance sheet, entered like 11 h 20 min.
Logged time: 9 h 48 min
